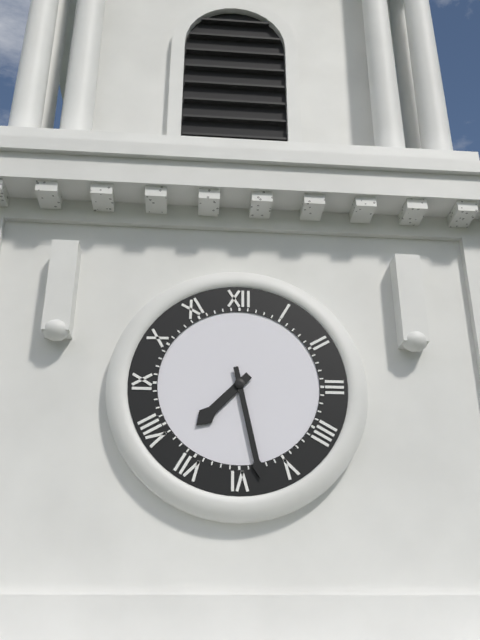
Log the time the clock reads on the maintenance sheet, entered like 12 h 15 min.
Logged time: 7 h 28 min
